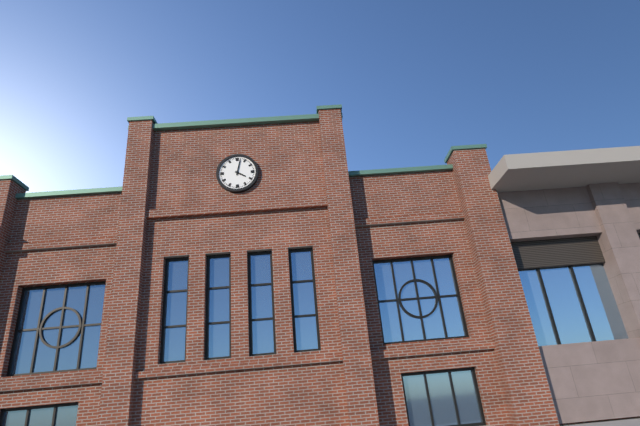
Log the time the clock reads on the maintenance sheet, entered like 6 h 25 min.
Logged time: 4 h 02 min
